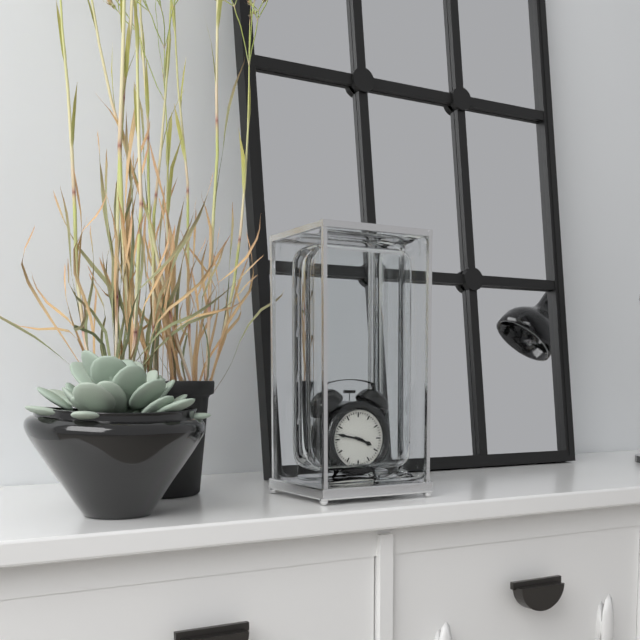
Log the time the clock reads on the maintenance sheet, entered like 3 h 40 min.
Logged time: 3 h 47 min
